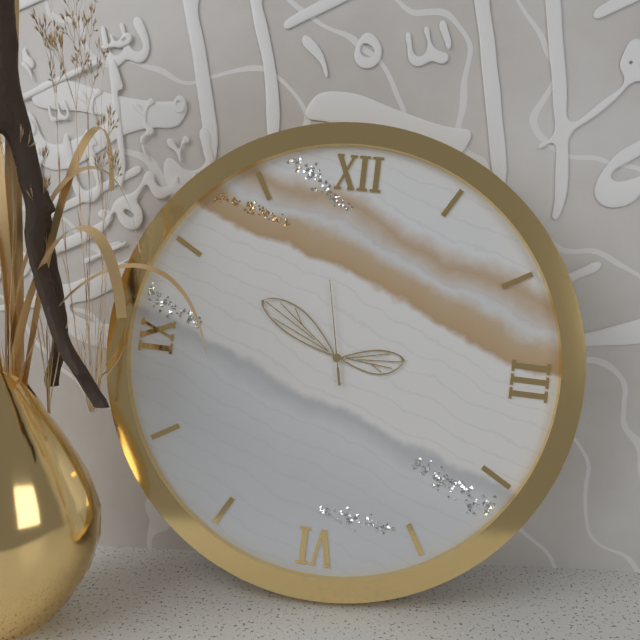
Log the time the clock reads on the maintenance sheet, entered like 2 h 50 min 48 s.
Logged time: 2 h 50 min 58 s
